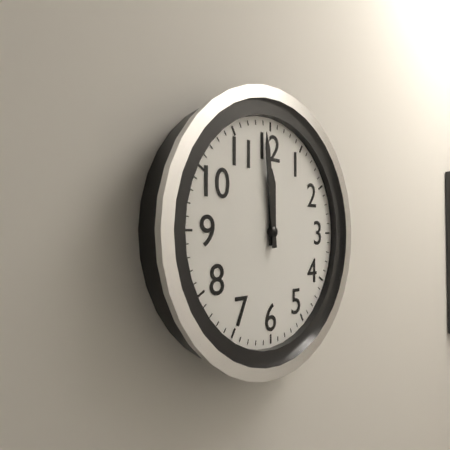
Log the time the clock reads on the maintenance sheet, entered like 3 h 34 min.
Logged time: 11 h 59 min
